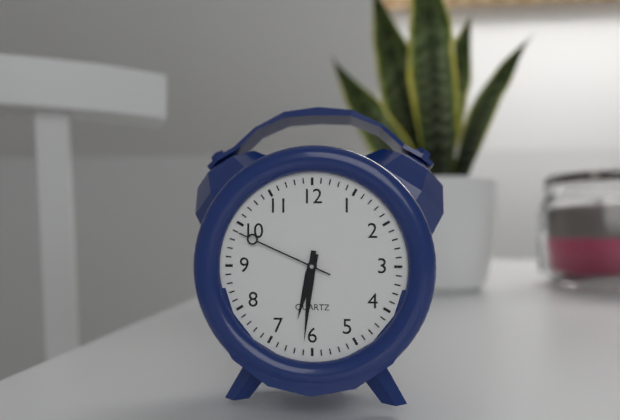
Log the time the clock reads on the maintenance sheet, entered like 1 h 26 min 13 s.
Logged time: 6 h 31 min 49 s
